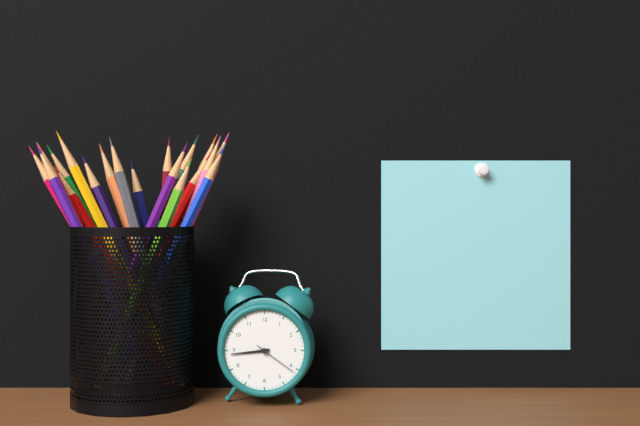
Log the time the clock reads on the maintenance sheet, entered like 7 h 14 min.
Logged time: 8 h 44 min
